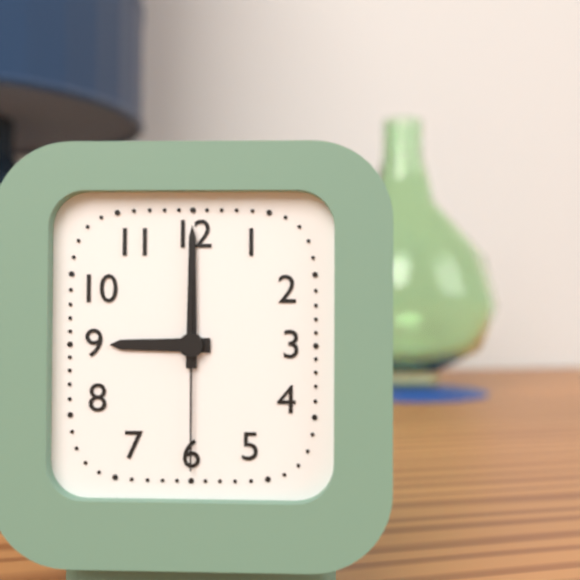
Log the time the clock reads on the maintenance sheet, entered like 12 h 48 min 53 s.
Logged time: 9 h 00 min 30 s
